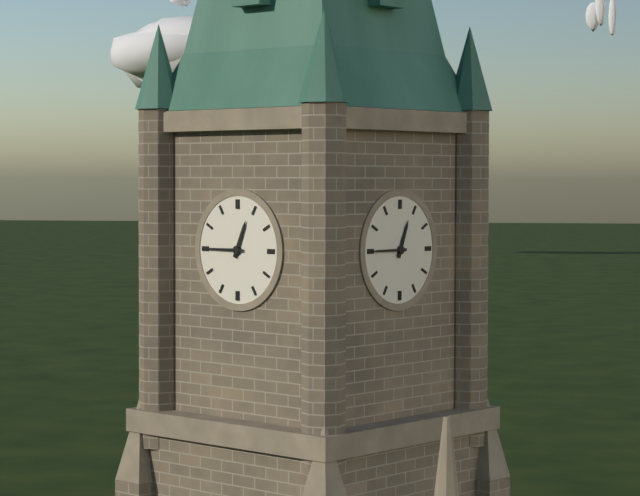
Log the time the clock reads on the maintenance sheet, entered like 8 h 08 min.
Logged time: 12 h 45 min
